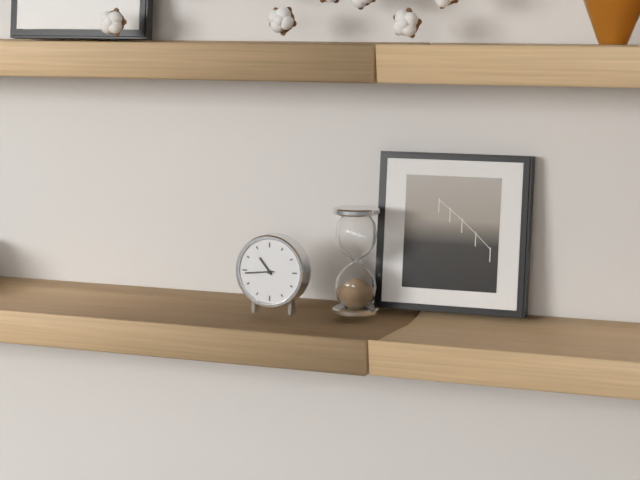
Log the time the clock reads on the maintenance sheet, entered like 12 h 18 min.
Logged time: 10 h 44 min
